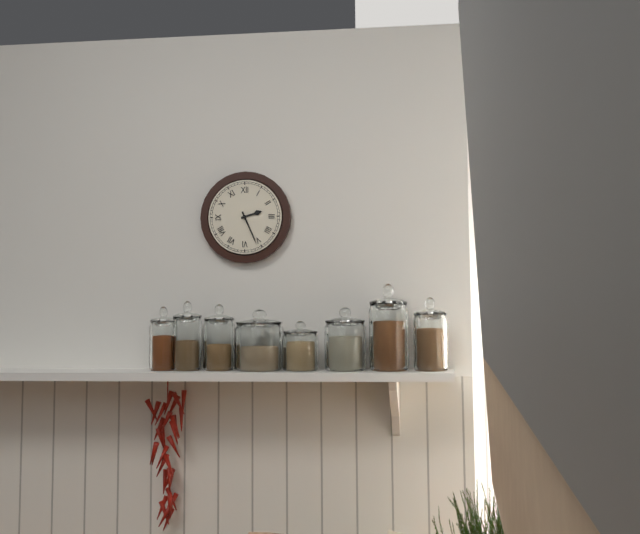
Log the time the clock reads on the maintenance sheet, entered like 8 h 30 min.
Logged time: 2 h 26 min
